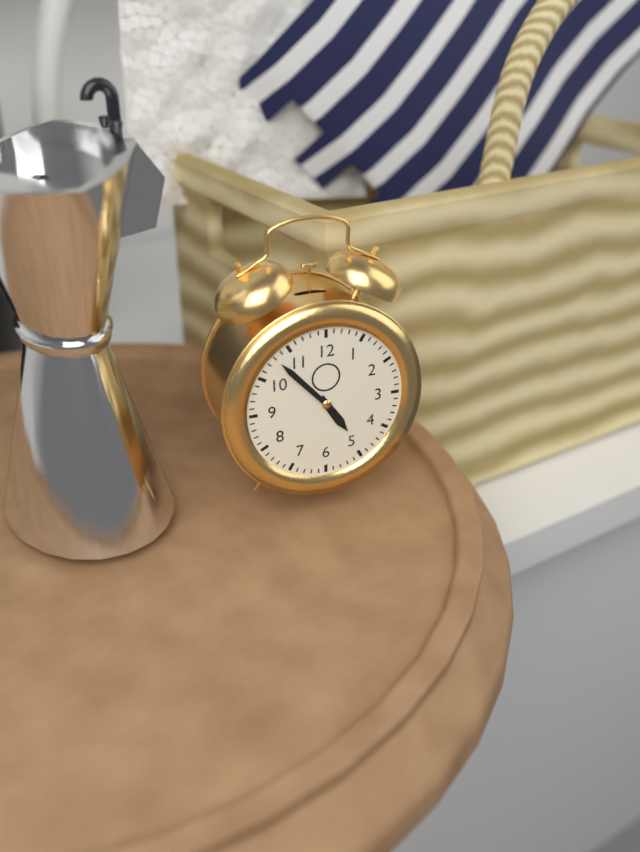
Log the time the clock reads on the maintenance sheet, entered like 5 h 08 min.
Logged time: 4 h 53 min
